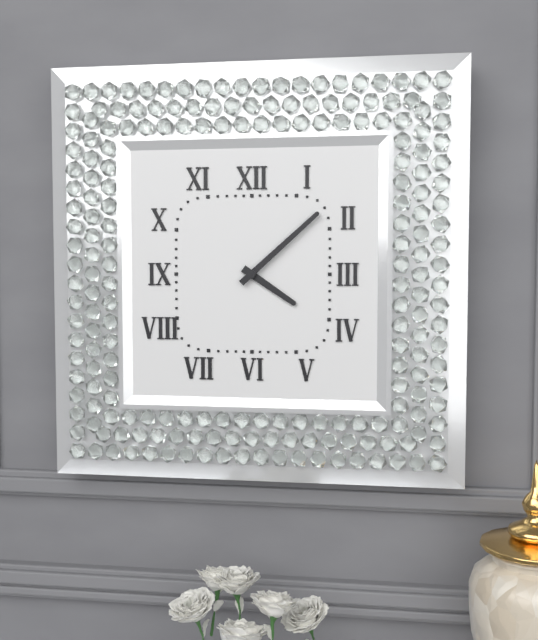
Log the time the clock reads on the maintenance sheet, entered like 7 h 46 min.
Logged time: 4 h 08 min
